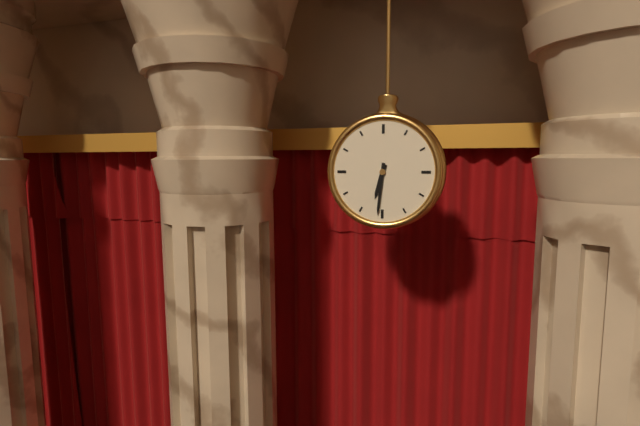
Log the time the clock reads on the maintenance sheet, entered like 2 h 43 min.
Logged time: 6 h 31 min
